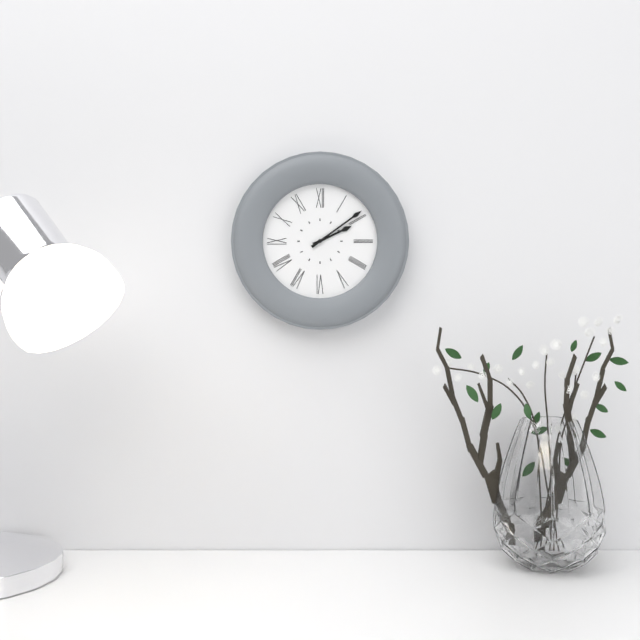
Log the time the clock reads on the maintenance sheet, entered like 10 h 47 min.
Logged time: 2 h 09 min
